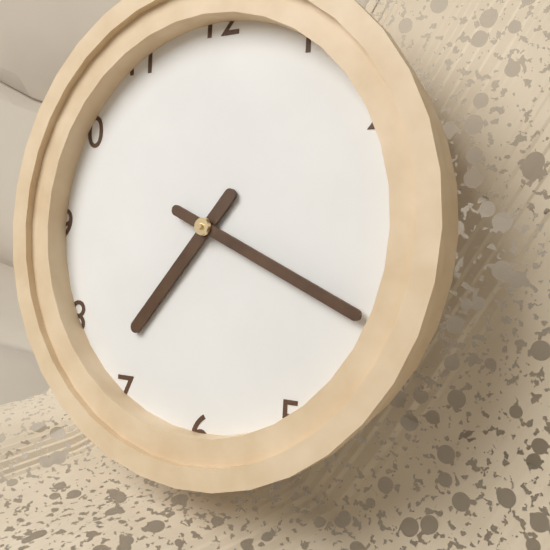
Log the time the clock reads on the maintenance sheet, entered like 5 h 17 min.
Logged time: 7 h 19 min
